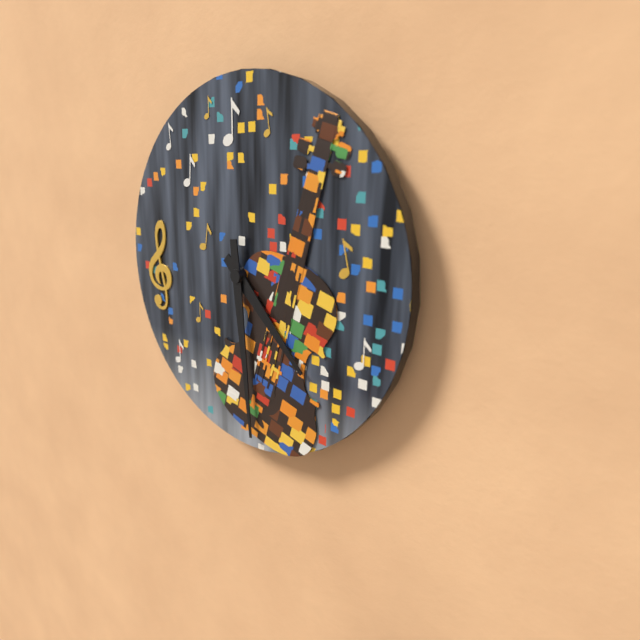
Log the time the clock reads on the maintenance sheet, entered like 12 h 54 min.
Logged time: 4 h 29 min
